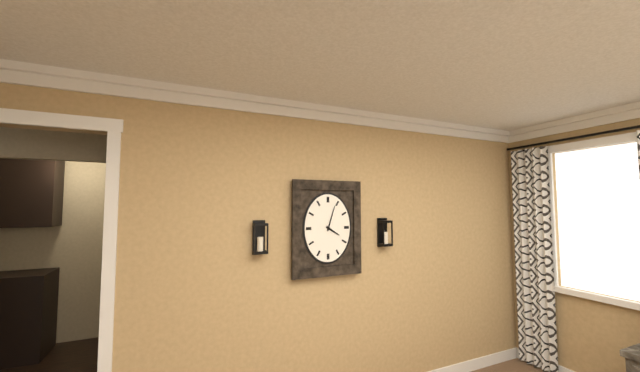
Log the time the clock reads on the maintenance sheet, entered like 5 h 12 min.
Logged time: 4 h 03 min
